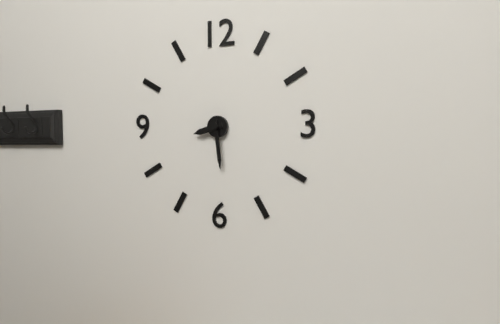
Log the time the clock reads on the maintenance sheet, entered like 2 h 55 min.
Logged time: 8 h 29 min
